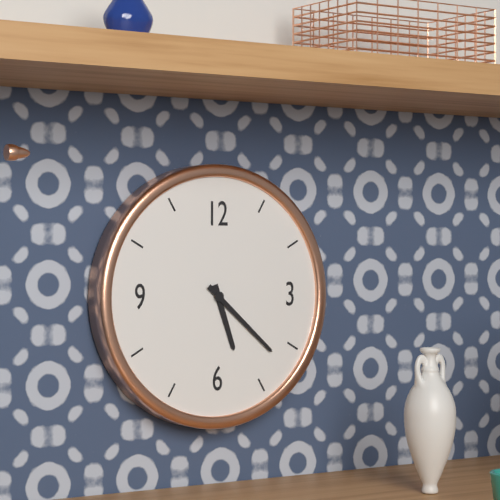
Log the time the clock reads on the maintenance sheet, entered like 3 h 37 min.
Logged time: 5 h 22 min
